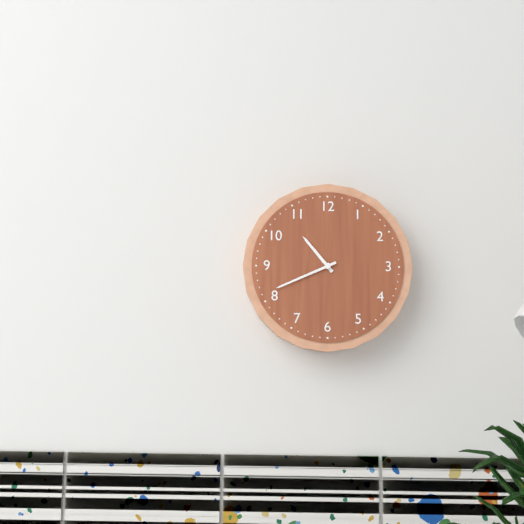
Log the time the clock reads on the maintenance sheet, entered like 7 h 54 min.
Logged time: 10 h 41 min
